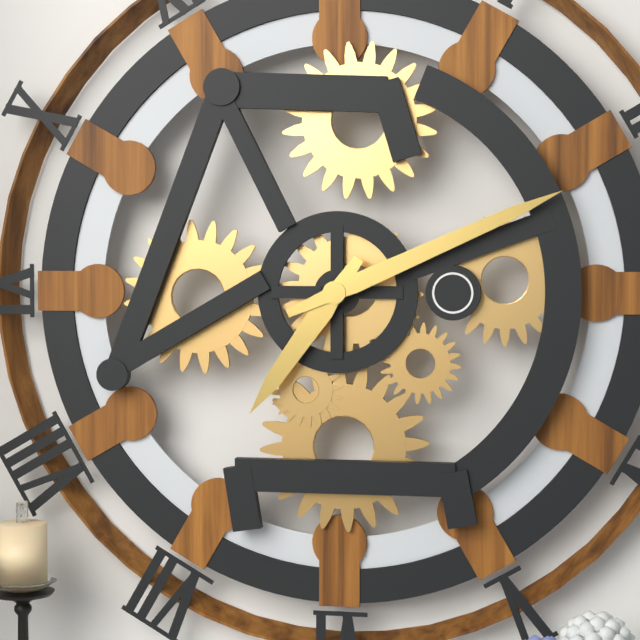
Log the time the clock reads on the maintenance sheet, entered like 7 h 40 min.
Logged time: 7 h 11 min
